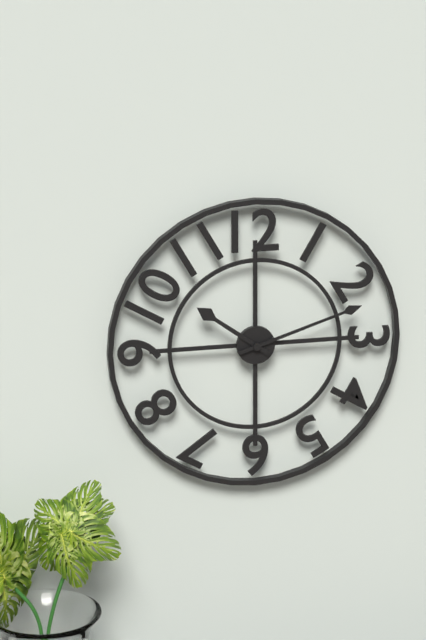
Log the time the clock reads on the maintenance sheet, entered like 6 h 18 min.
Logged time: 10 h 12 min
